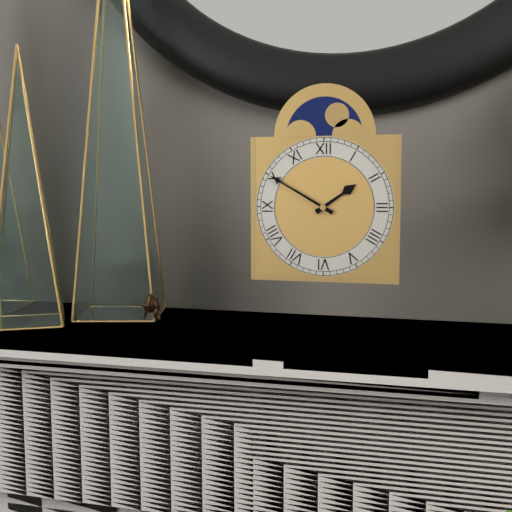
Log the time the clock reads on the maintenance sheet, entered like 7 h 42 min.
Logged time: 1 h 50 min
